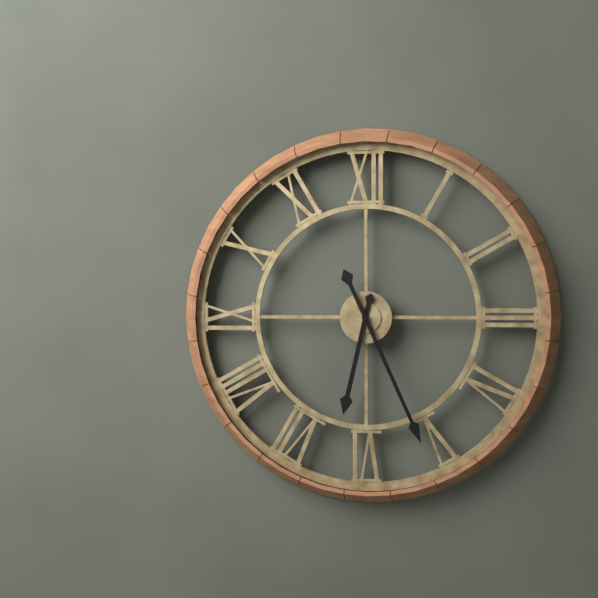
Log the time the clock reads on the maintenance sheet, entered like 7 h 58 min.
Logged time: 6 h 26 min
